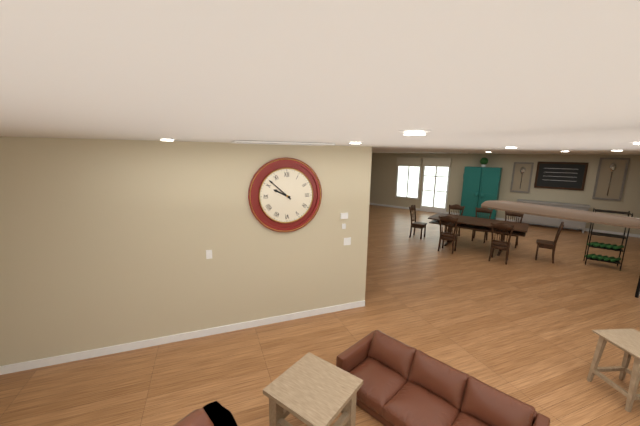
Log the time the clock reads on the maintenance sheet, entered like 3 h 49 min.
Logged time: 9 h 52 min
